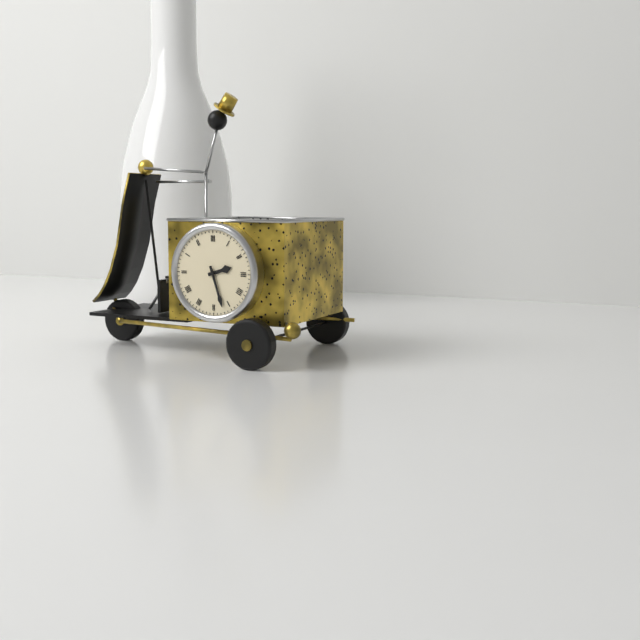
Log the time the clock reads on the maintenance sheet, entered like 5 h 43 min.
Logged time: 2 h 27 min
